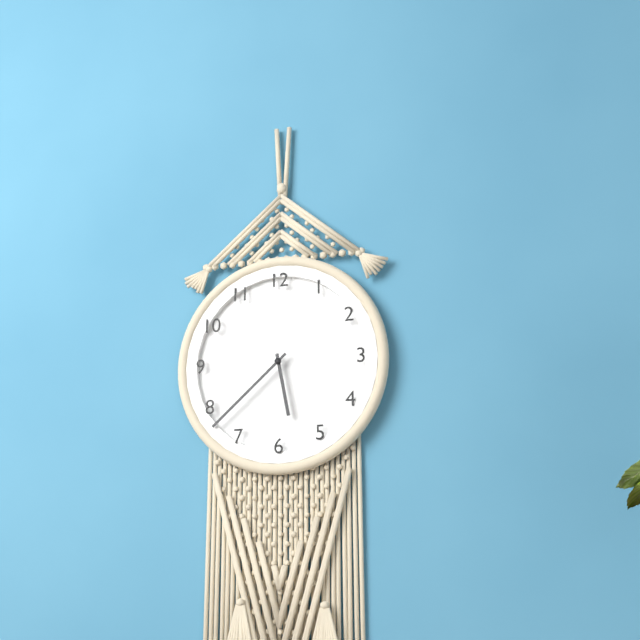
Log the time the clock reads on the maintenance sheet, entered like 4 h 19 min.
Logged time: 5 h 38 min
